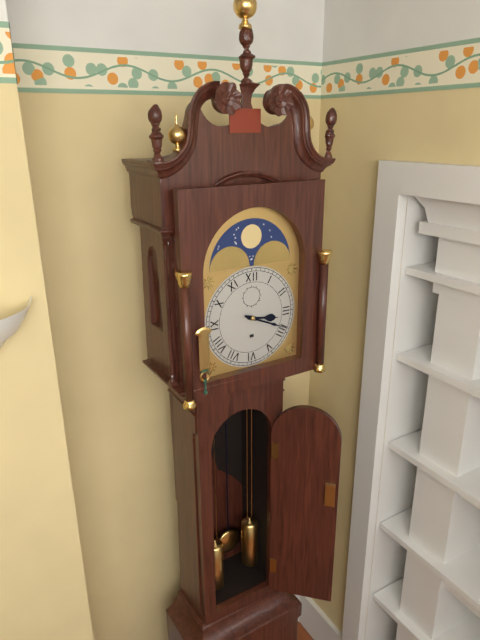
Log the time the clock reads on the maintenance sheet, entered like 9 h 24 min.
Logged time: 3 h 19 min
